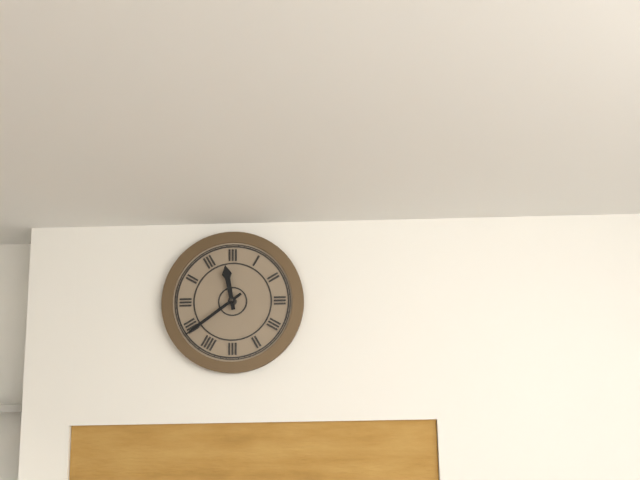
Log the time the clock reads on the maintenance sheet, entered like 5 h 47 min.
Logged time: 11 h 39 min
